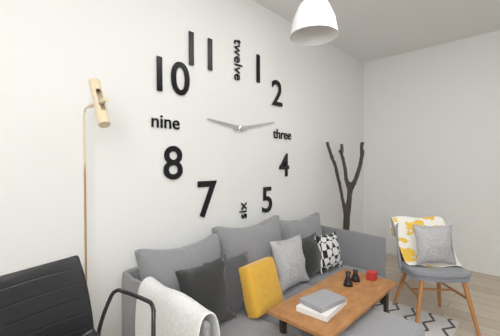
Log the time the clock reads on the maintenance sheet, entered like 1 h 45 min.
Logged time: 9 h 13 min
